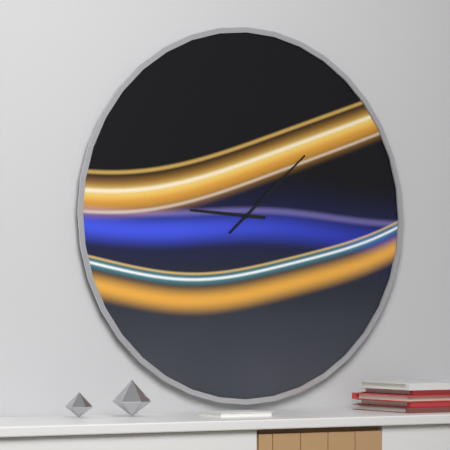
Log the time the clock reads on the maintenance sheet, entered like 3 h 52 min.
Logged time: 9 h 08 min
